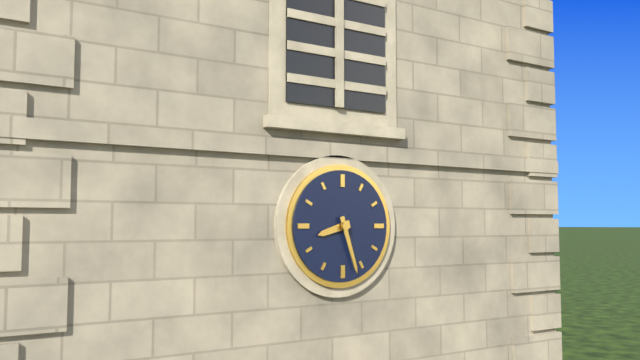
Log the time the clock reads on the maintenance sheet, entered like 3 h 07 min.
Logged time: 8 h 27 min
